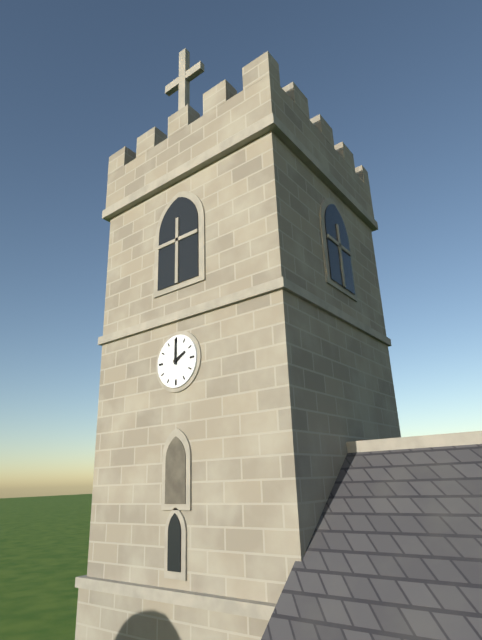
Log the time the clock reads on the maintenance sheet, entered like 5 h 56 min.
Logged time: 2 h 00 min
